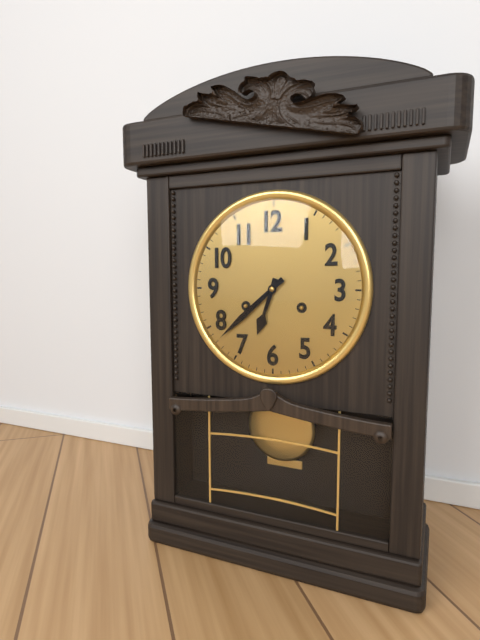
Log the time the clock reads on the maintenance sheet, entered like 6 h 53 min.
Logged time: 6 h 38 min
